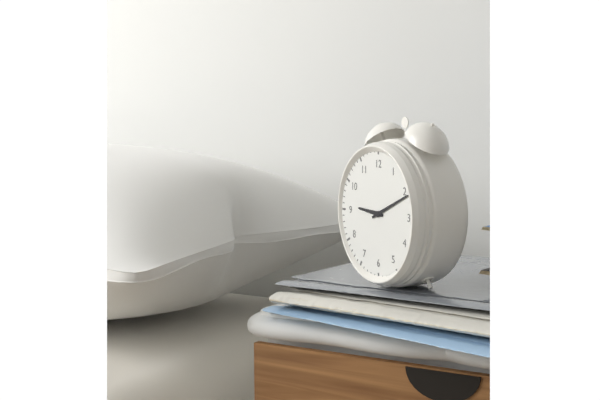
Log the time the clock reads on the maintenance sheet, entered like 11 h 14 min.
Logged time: 9 h 11 min
